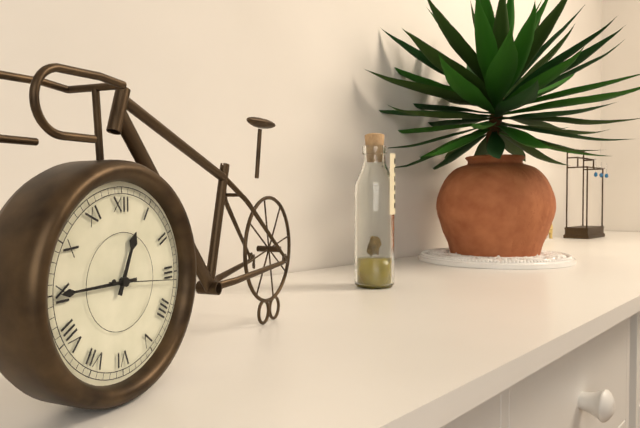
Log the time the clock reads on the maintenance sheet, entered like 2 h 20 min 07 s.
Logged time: 12 h 45 min 16 s
